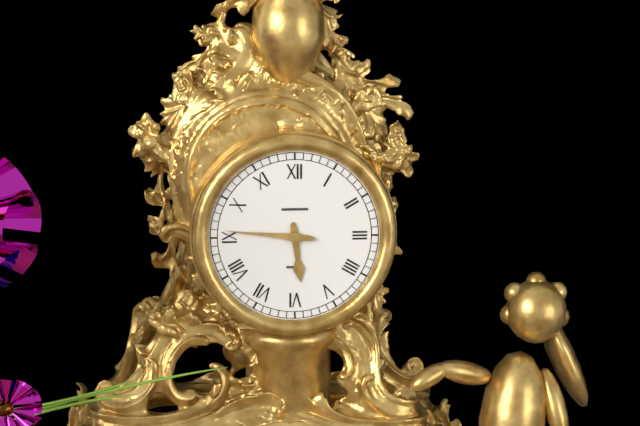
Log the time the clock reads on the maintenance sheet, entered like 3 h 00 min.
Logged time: 5 h 46 min
